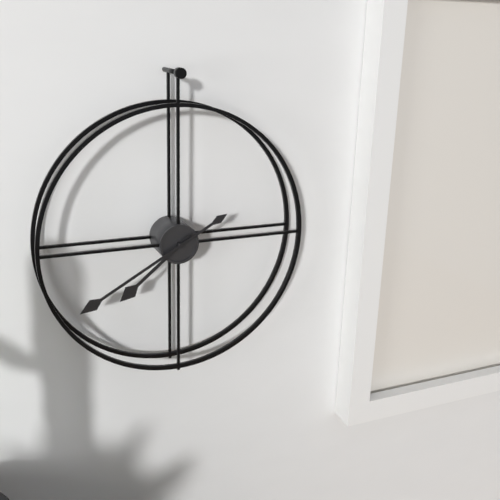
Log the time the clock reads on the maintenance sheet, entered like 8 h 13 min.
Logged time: 7 h 40 min
